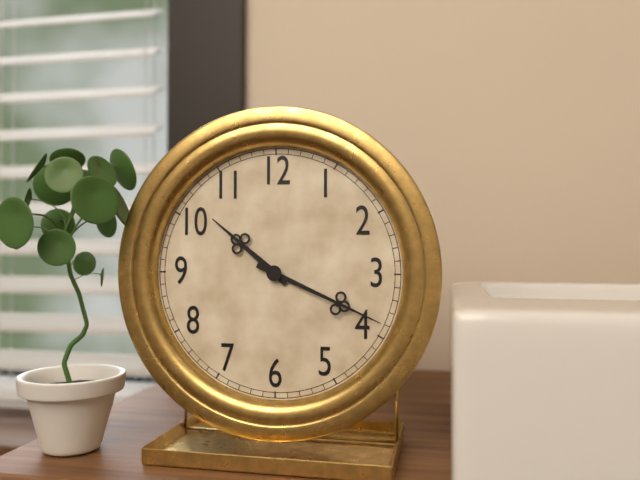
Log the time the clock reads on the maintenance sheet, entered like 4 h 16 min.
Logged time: 10 h 19 min
